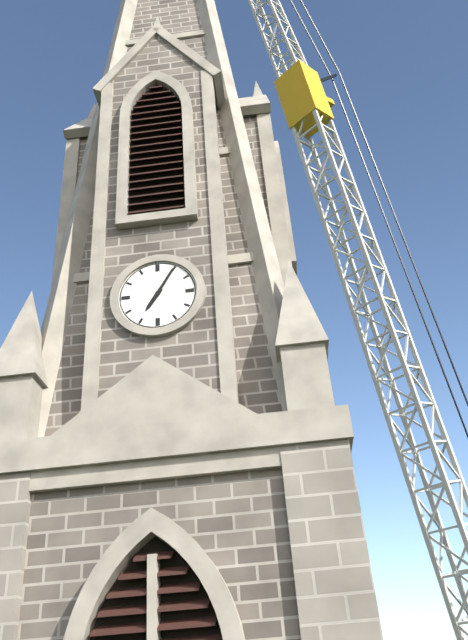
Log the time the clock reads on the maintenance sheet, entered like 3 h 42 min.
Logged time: 7 h 05 min
